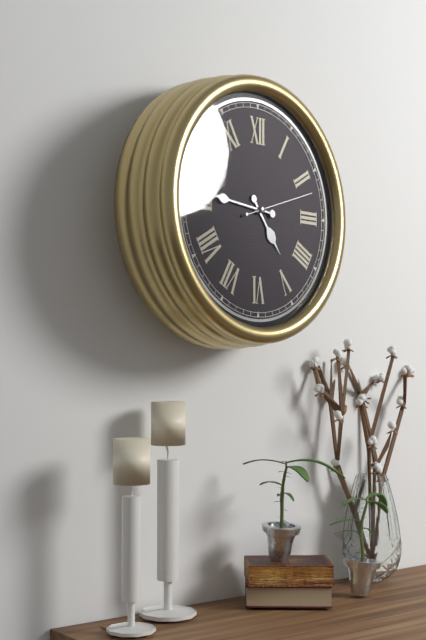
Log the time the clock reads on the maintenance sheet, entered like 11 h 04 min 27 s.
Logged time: 4 h 46 min 12 s
